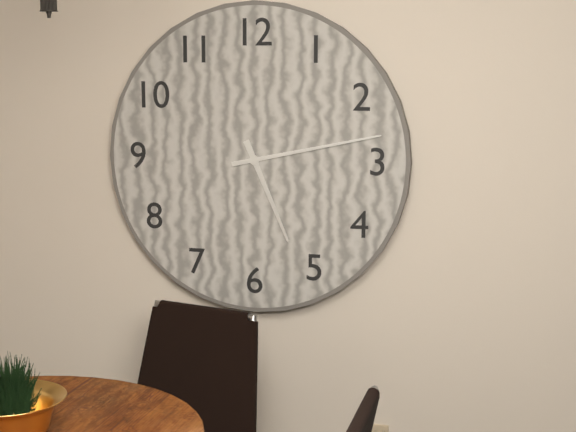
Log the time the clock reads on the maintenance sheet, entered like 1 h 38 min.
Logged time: 5 h 13 min
